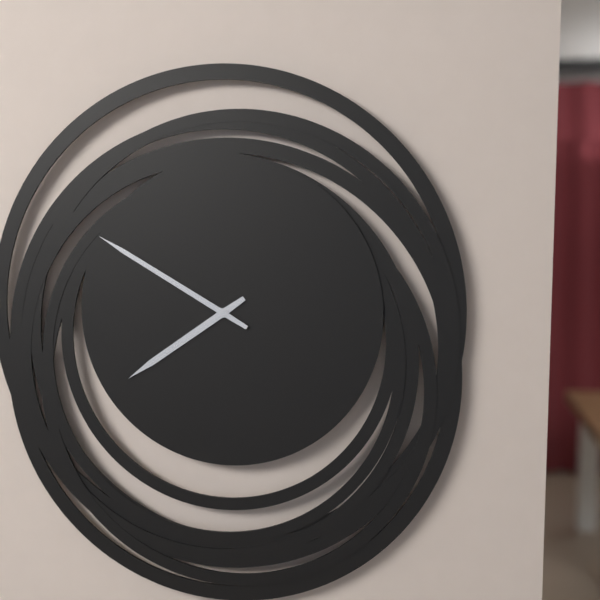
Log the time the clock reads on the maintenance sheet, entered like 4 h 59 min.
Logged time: 7 h 50 min
